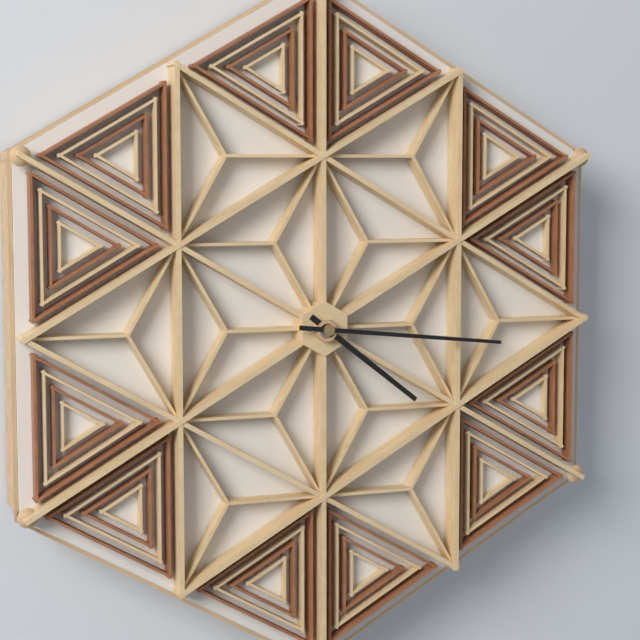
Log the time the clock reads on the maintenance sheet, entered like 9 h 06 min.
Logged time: 4 h 16 min
